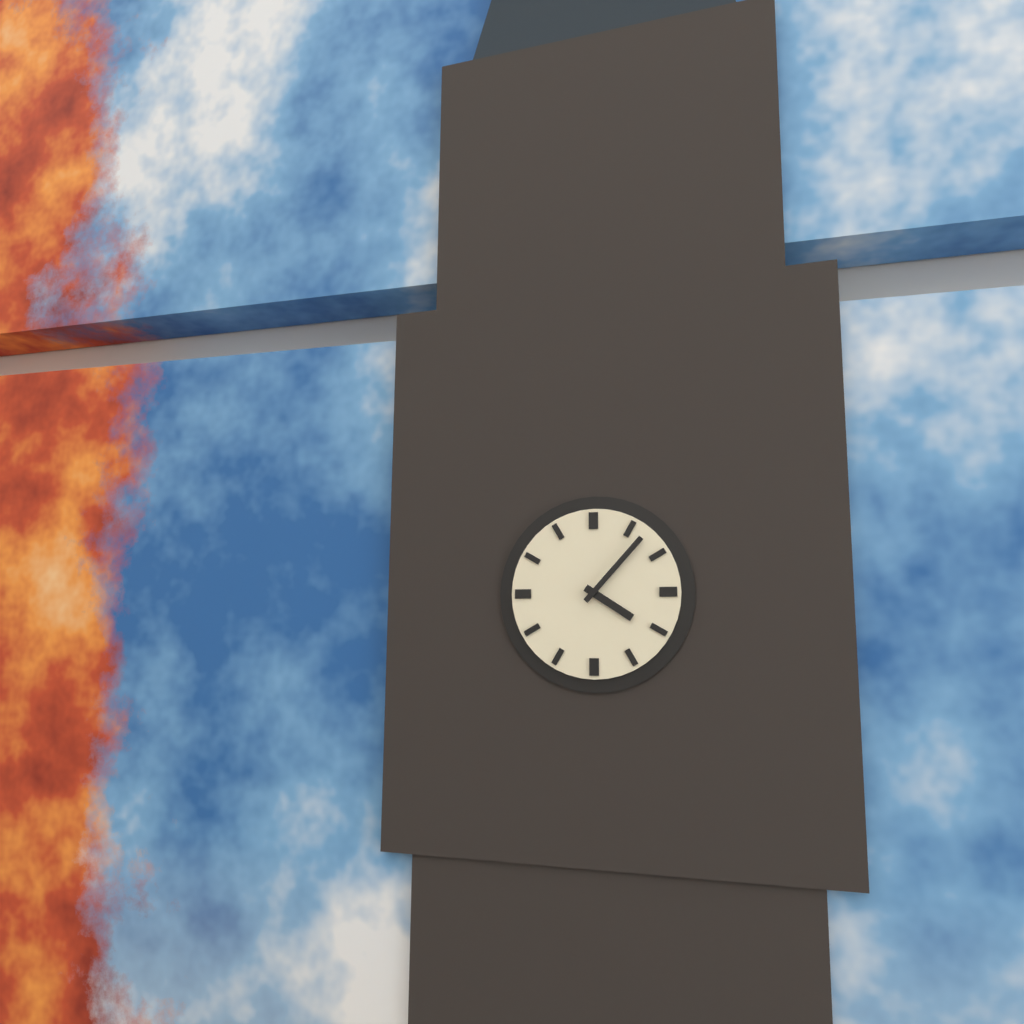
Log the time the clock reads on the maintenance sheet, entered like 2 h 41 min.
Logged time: 4 h 07 min
